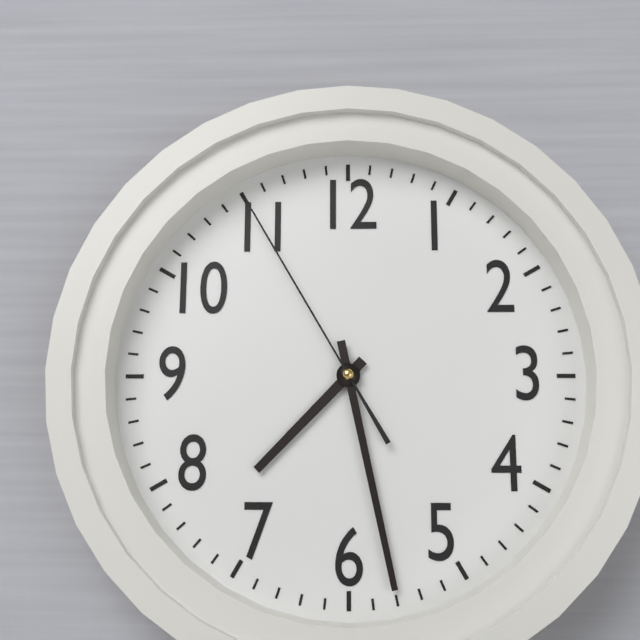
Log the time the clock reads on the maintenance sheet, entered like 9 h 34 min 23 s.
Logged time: 7 h 28 min 55 s
